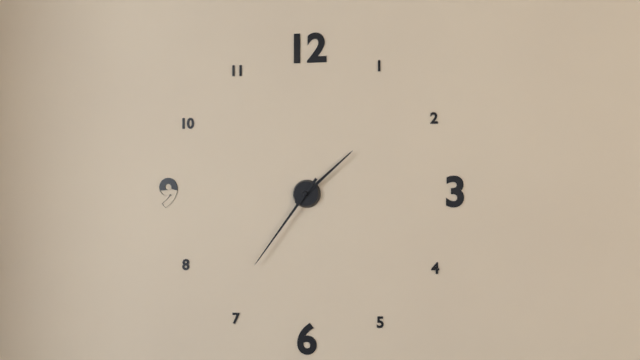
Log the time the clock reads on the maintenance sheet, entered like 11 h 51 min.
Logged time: 1 h 36 min
